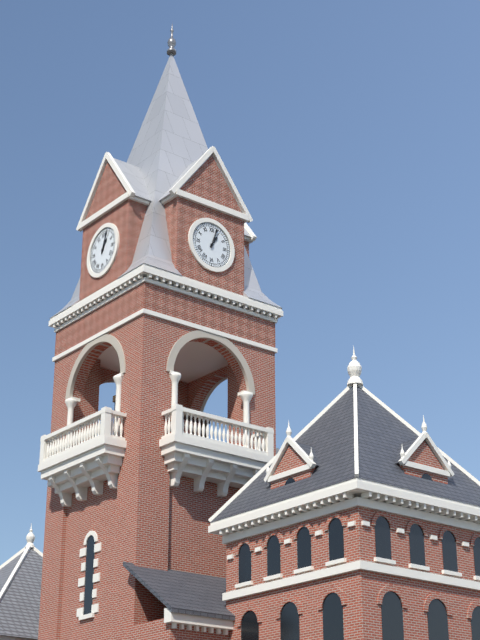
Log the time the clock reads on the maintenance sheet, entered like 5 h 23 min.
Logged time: 1 h 03 min
